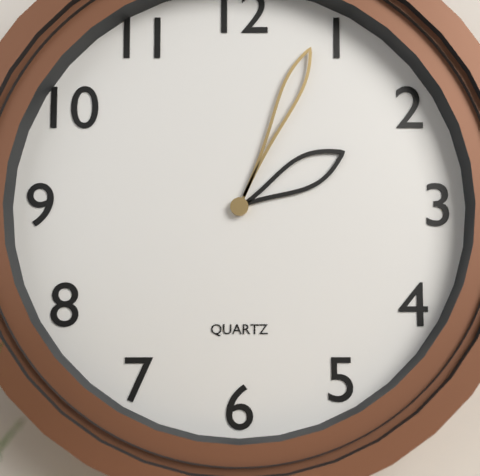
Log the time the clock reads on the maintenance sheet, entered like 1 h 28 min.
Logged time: 2 h 04 min
